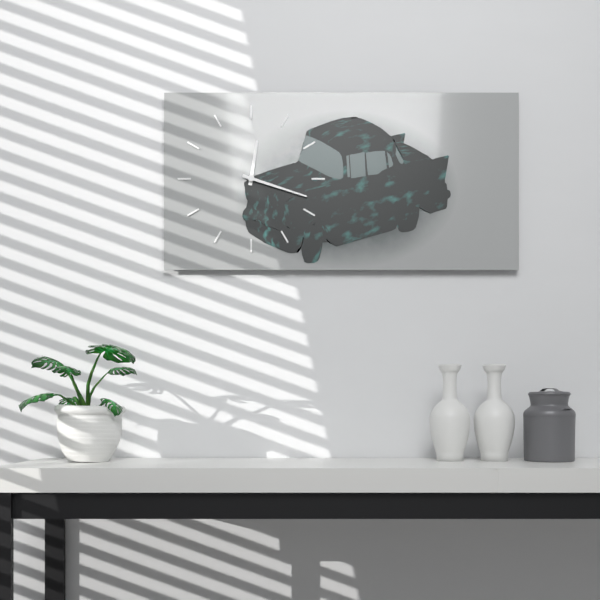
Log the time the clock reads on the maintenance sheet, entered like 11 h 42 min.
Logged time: 12 h 18 min
